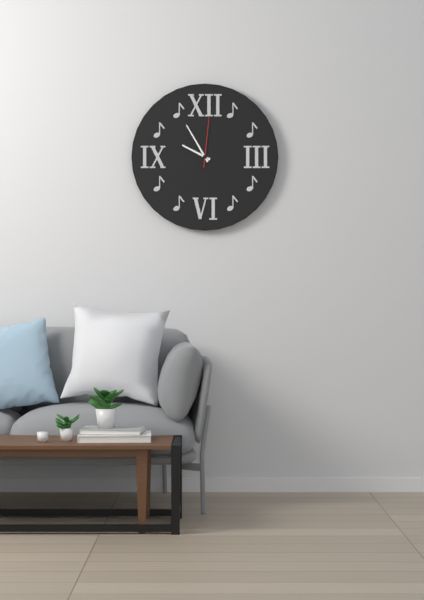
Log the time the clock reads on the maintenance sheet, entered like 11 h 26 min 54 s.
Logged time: 9 h 55 min 01 s
